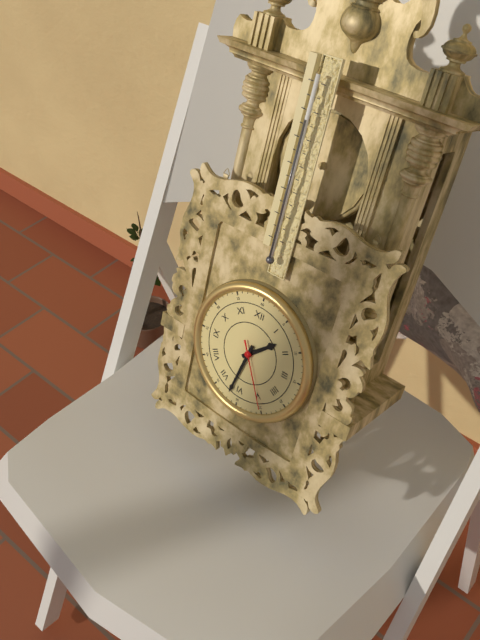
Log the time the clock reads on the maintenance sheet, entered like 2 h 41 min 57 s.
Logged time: 1 h 32 min 25 s
